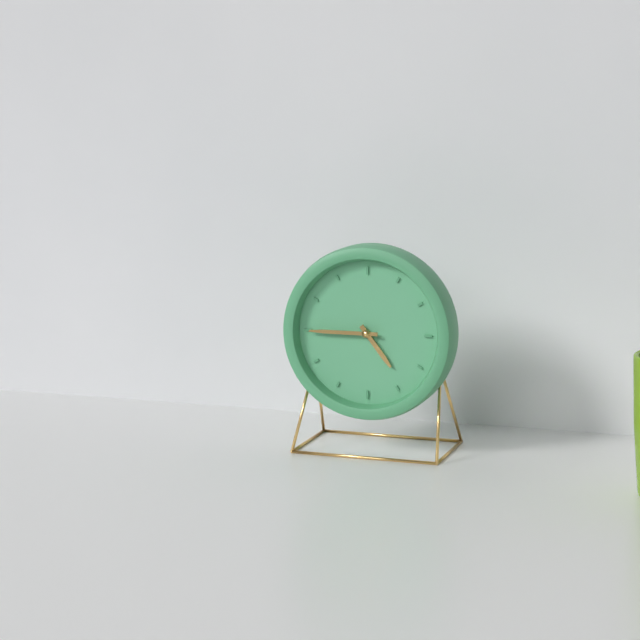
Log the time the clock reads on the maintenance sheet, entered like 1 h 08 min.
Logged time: 4 h 45 min
